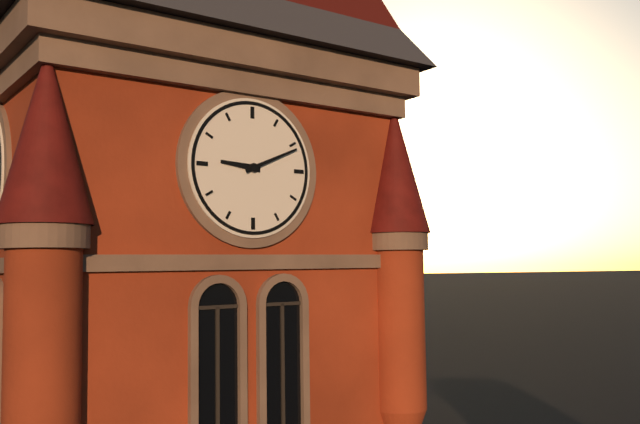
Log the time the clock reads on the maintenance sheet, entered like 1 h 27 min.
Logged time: 9 h 11 min
